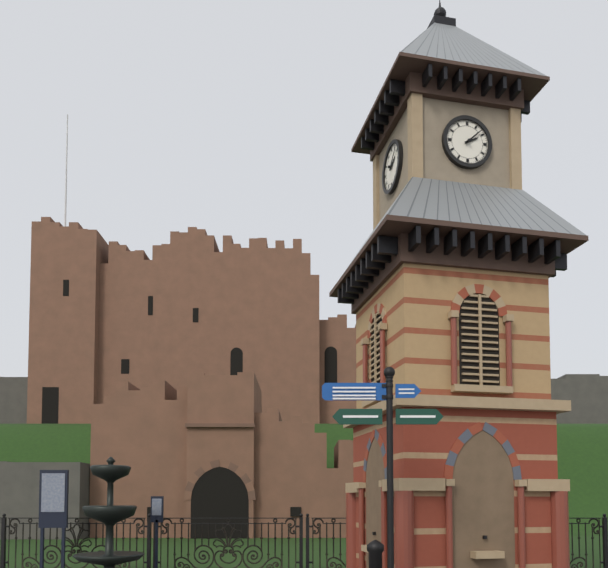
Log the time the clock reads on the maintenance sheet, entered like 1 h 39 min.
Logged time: 2 h 08 min
